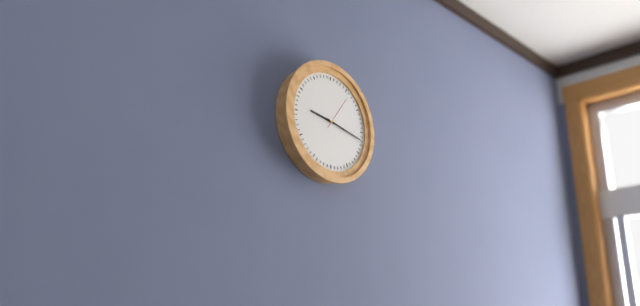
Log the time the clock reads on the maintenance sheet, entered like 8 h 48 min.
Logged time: 9 h 17 min
